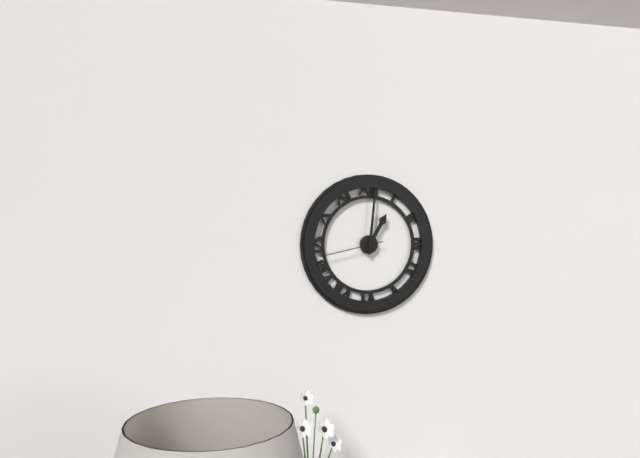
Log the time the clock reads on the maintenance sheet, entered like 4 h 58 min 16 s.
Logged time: 1 h 01 min 43 s
